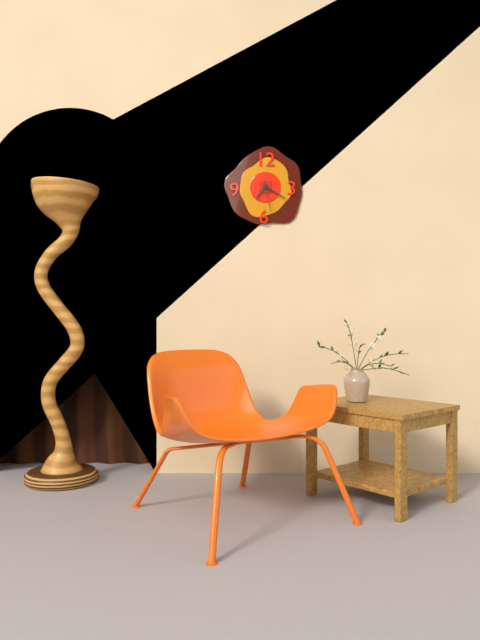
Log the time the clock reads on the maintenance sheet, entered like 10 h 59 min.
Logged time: 7 h 20 min
